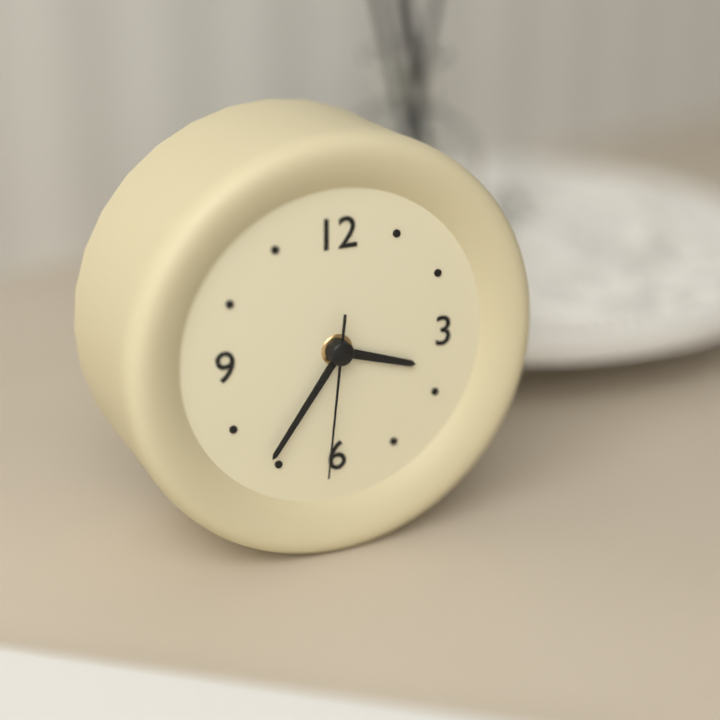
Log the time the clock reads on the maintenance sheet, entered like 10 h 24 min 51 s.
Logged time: 3 h 36 min 31 s
